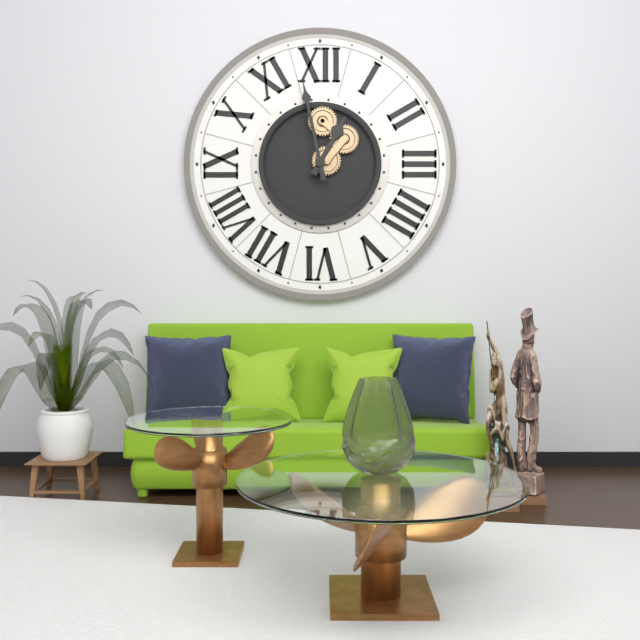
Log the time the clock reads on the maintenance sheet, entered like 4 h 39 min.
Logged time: 12 h 58 min
